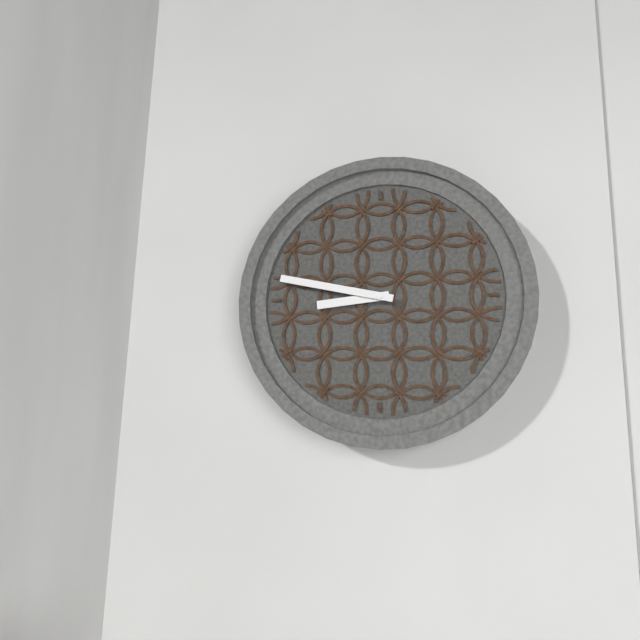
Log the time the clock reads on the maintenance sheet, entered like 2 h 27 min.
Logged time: 8 h 47 min
